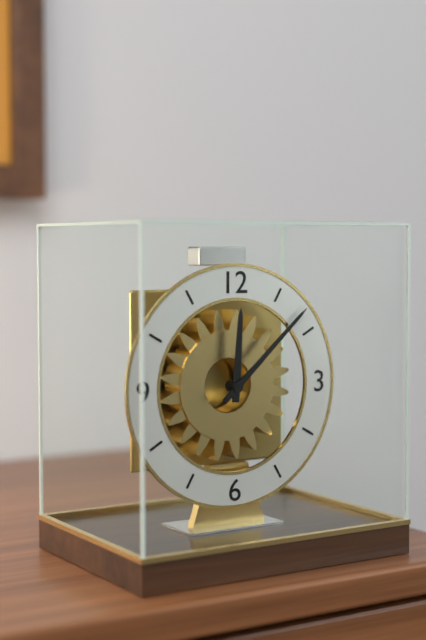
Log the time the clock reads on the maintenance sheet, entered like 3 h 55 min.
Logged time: 12 h 08 min
